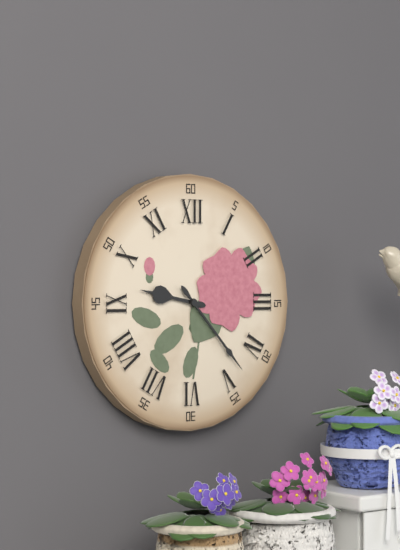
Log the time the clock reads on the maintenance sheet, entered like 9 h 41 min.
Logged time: 9 h 23 min
